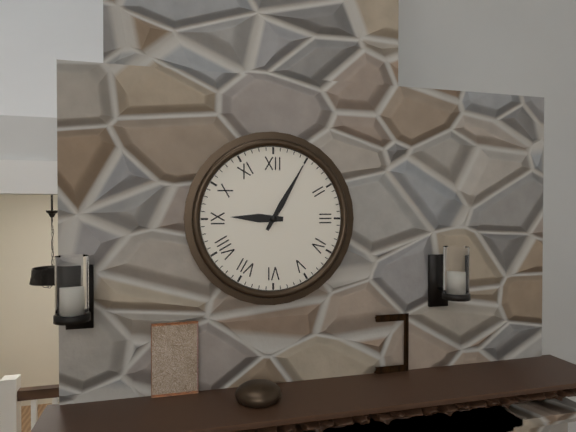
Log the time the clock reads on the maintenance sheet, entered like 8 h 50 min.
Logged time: 9 h 05 min
